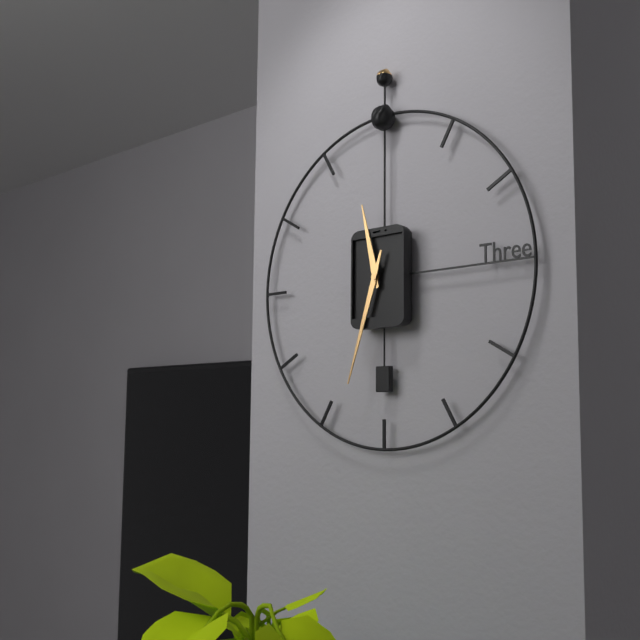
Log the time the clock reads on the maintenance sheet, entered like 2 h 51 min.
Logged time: 11 h 33 min
